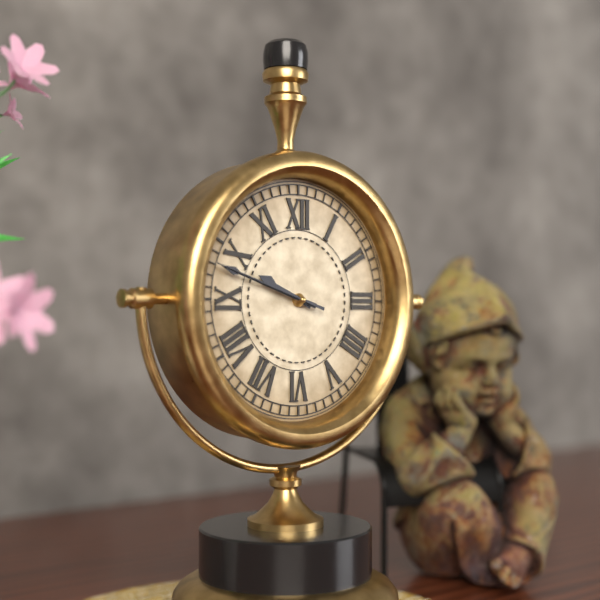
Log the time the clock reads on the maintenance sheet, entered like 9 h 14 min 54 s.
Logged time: 9 h 48 min 48 s
